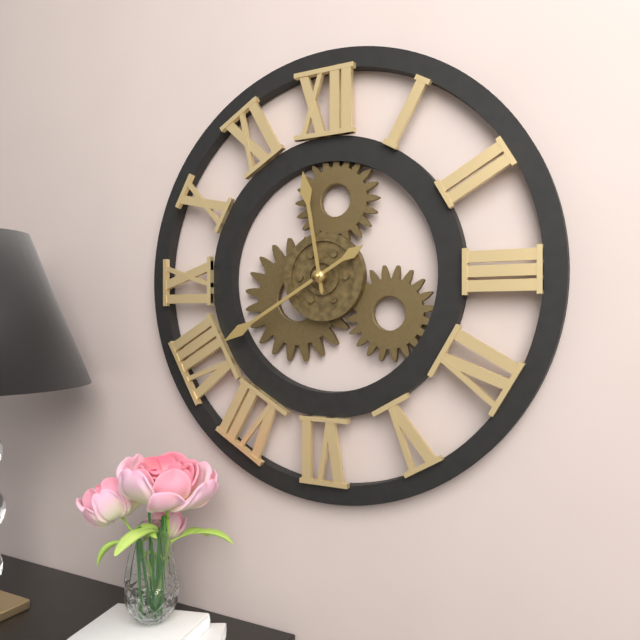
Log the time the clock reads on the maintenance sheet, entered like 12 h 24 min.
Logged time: 11 h 40 min
